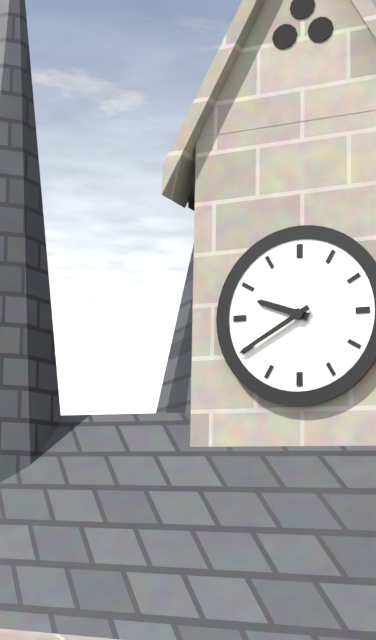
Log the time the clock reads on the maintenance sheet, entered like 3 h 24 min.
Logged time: 9 h 40 min
